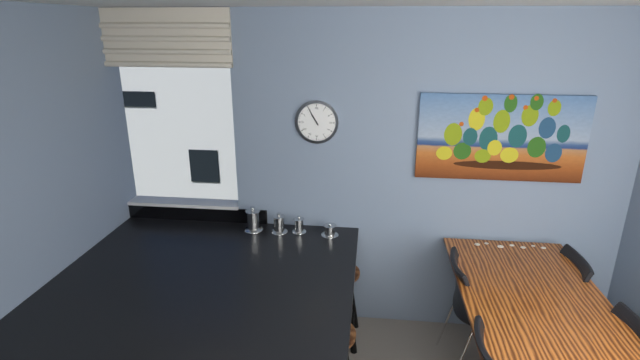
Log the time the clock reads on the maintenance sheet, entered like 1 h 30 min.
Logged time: 10 h 55 min
